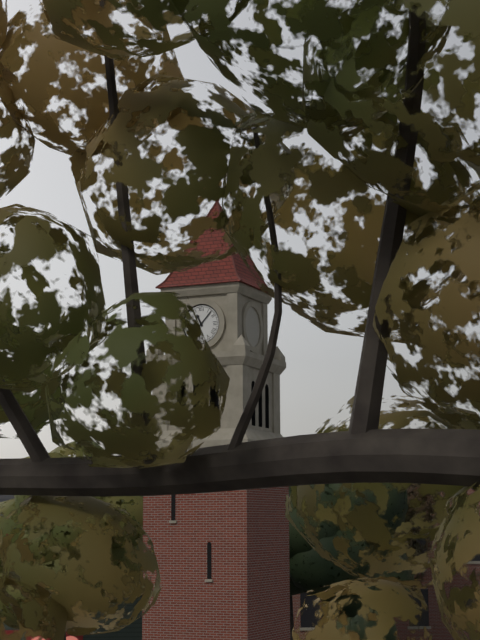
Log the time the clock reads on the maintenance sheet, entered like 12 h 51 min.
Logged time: 11 h 07 min
